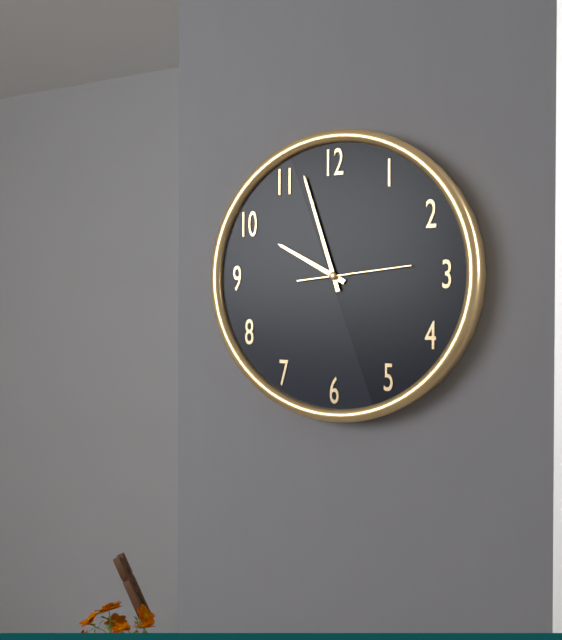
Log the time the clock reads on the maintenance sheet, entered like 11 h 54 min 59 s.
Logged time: 9 h 57 min 14 s
